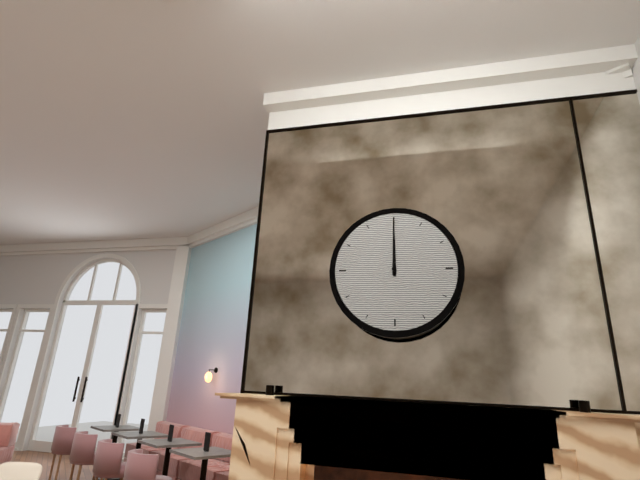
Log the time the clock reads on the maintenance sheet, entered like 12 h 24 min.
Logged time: 12 h 00 min
